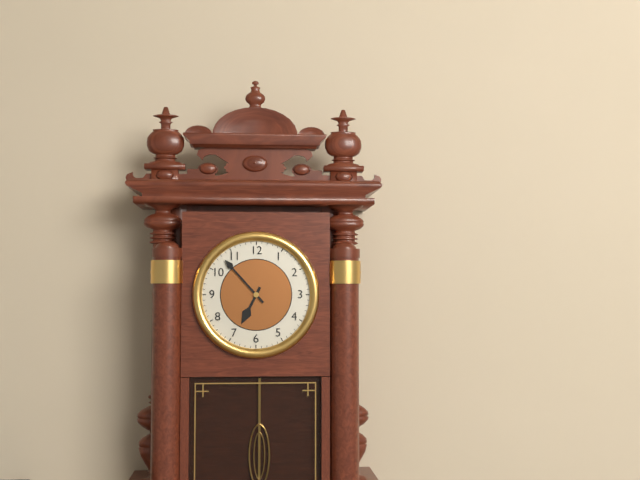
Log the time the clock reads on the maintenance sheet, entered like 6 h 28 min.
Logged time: 6 h 53 min
